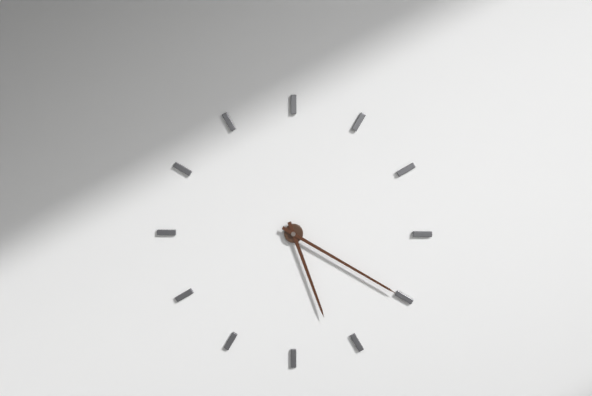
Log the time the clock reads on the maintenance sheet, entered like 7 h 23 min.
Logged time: 5 h 20 min
